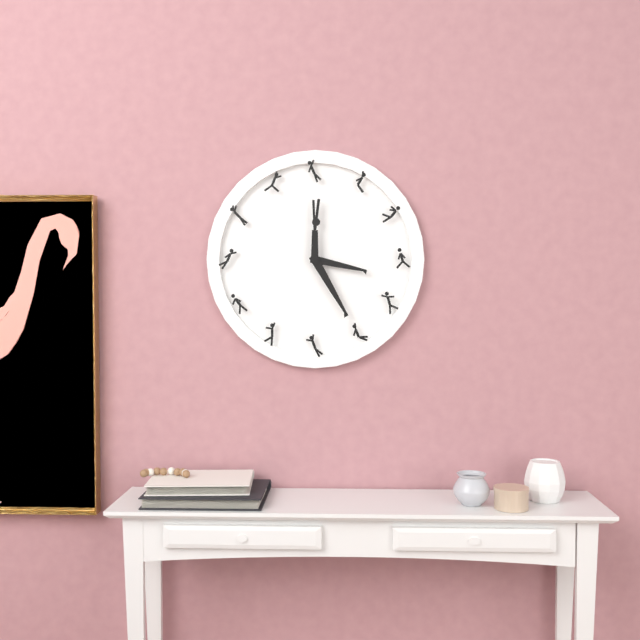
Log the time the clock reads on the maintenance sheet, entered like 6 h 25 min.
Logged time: 3 h 25 min
